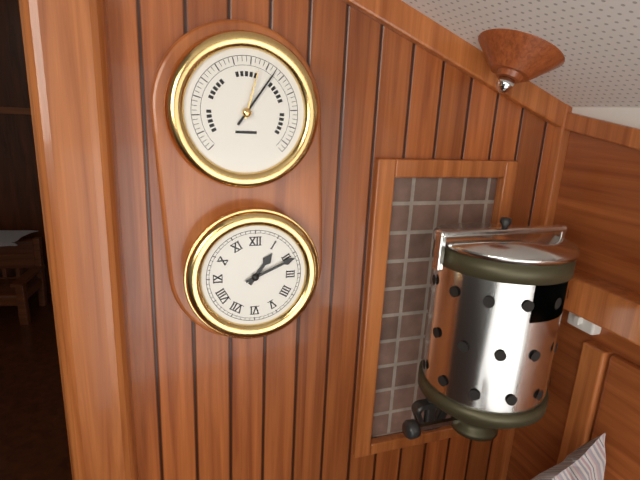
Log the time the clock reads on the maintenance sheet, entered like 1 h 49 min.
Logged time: 1 h 11 min
